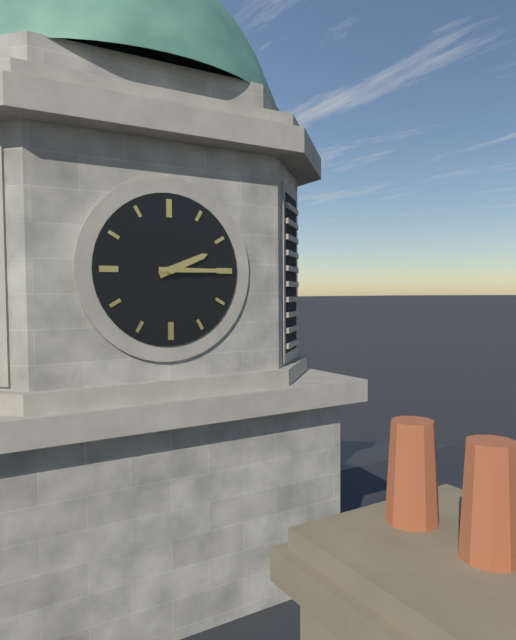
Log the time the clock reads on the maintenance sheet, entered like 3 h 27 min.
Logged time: 2 h 15 min
